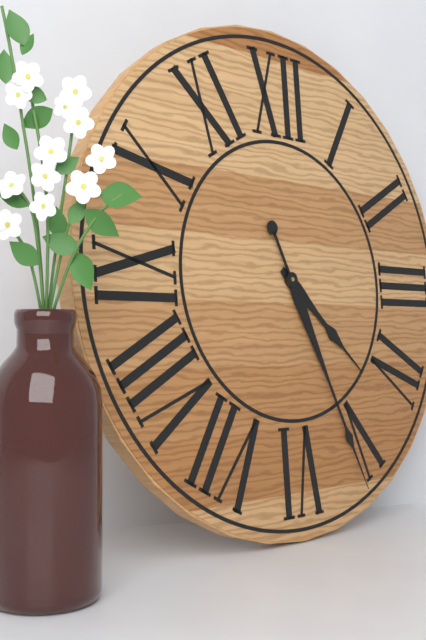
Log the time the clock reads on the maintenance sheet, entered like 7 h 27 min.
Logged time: 4 h 26 min
